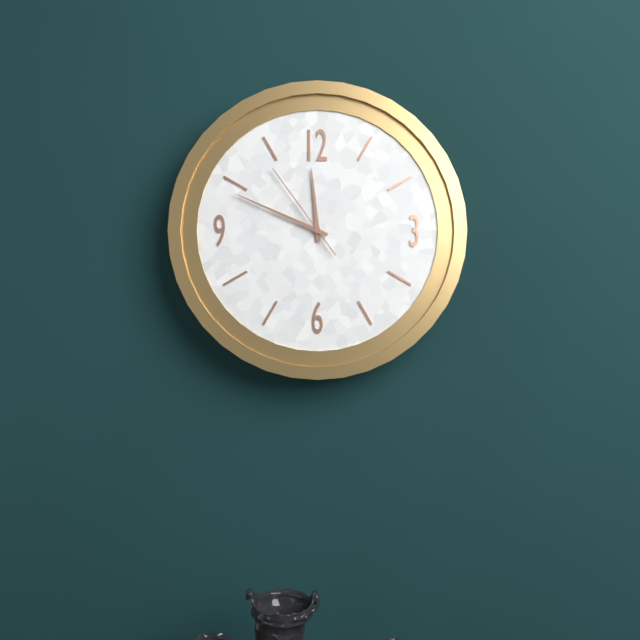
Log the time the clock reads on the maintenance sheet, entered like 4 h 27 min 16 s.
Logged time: 11 h 49 min 54 s
